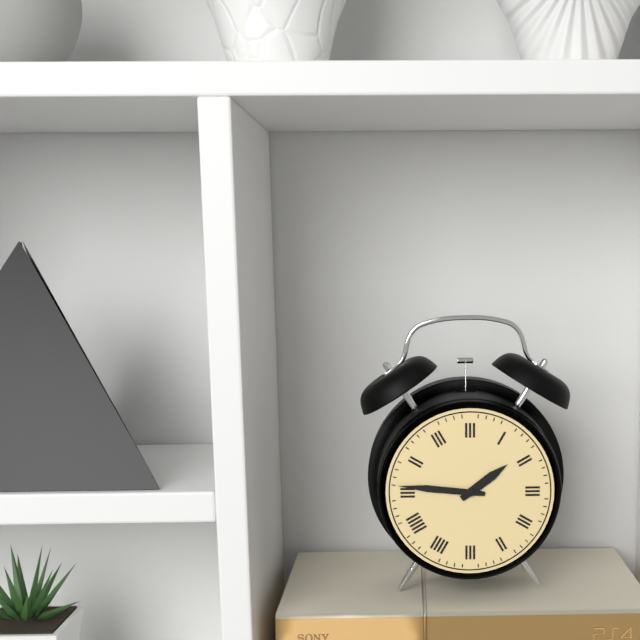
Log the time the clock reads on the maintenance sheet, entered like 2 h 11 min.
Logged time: 1 h 46 min
